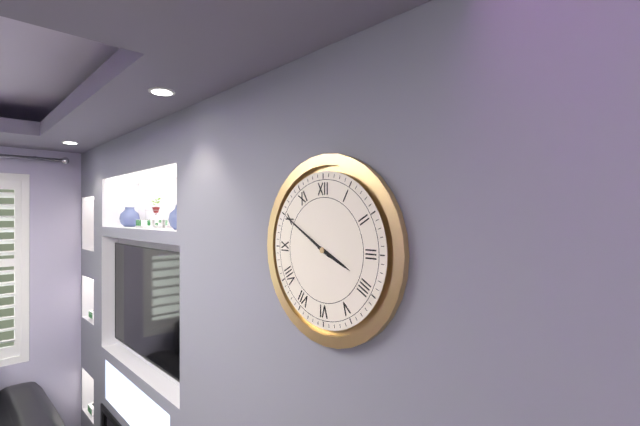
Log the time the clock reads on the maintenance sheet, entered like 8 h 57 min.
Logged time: 3 h 50 min
